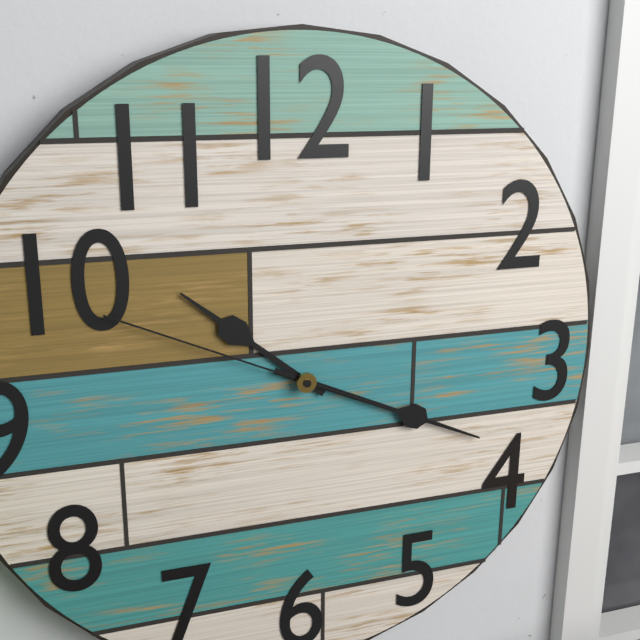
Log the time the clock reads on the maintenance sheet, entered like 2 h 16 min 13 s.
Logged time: 10 h 19 min 49 s
